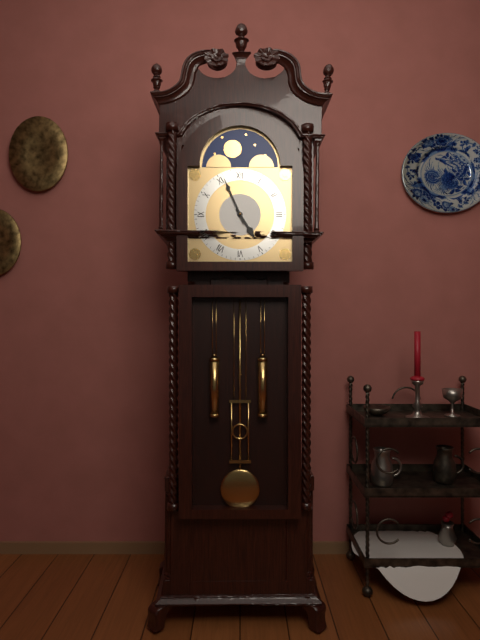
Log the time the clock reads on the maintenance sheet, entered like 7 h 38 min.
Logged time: 4 h 56 min
